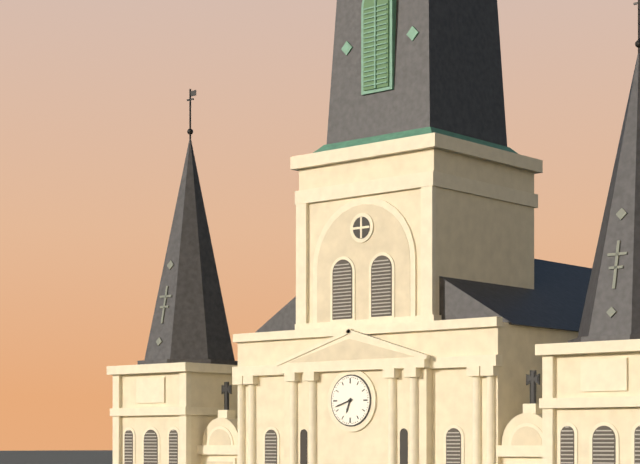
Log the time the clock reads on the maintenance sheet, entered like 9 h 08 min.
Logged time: 6 h 42 min
